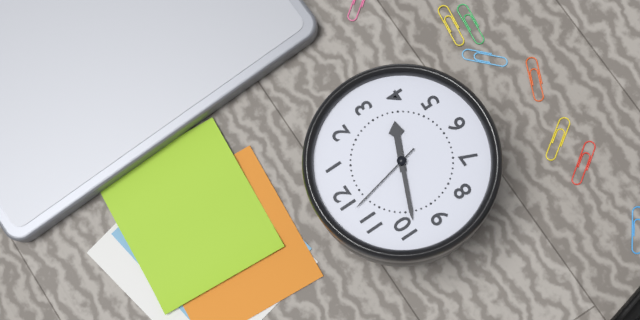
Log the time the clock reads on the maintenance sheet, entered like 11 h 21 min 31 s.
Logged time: 3 h 49 min 58 s
